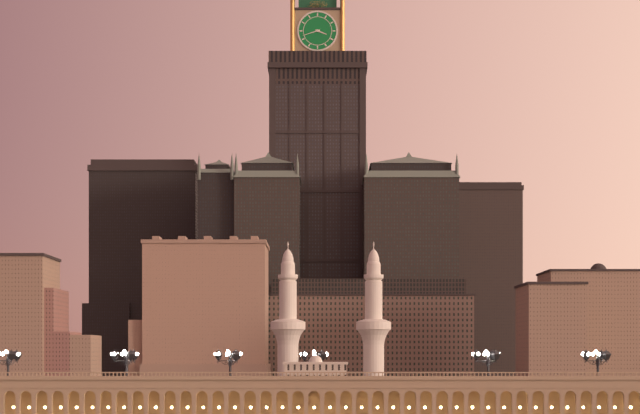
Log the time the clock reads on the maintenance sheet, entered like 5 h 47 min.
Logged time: 3 h 42 min
